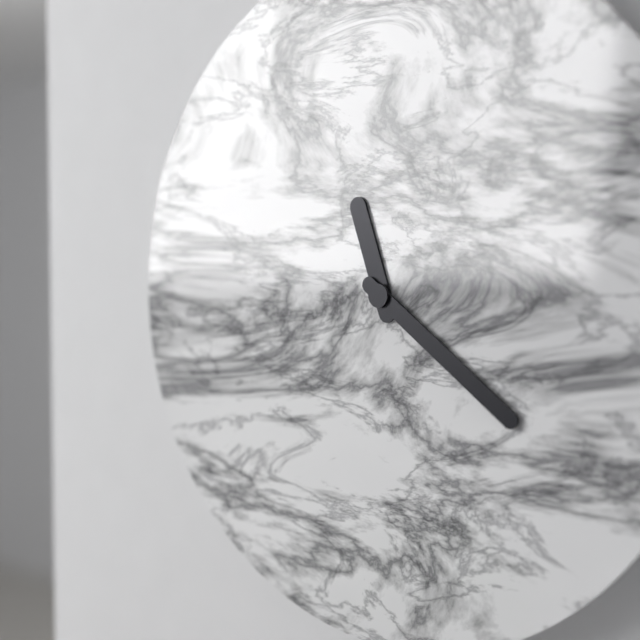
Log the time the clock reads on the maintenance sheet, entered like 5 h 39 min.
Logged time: 11 h 21 min
